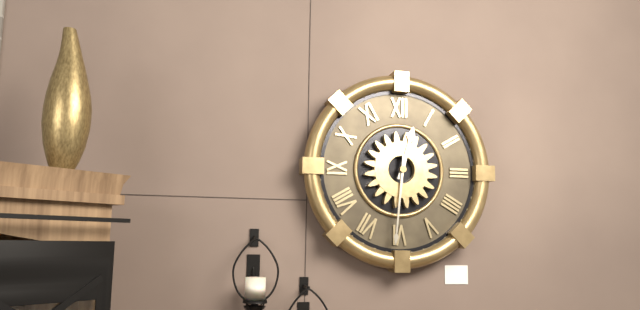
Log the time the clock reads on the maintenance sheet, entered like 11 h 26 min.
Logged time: 12 h 31 min
